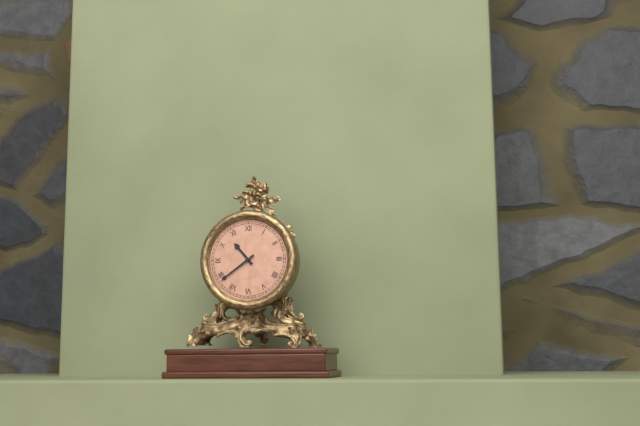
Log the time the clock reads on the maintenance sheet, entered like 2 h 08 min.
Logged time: 10 h 39 min
